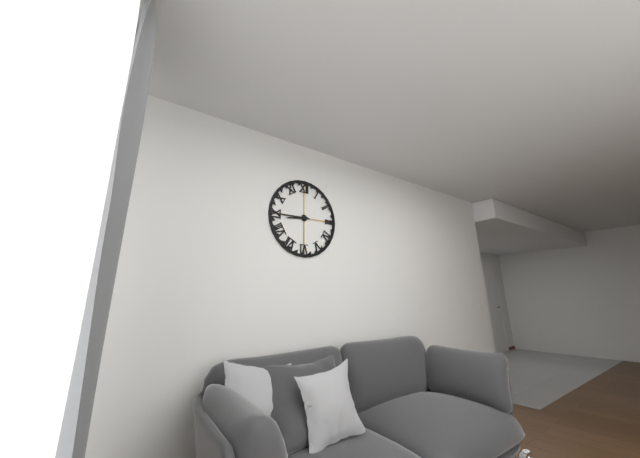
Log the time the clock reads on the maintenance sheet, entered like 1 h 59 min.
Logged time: 8 h 45 min
